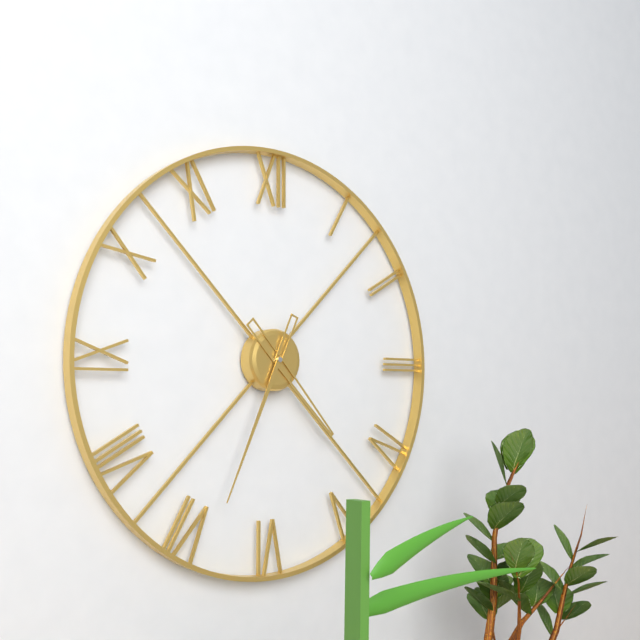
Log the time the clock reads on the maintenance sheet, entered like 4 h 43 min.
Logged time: 4 h 34 min
